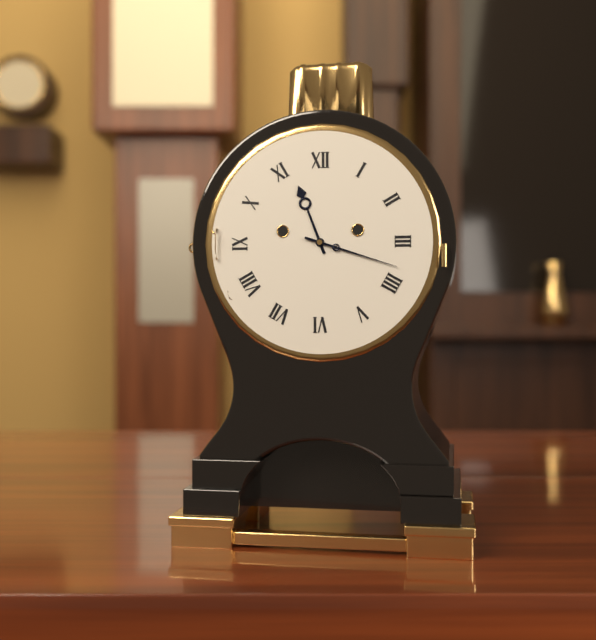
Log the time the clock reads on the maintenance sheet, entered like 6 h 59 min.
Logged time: 11 h 18 min
